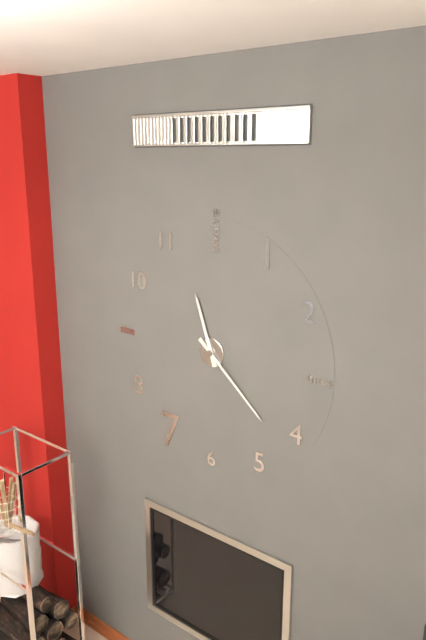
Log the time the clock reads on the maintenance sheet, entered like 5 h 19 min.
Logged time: 11 h 22 min
